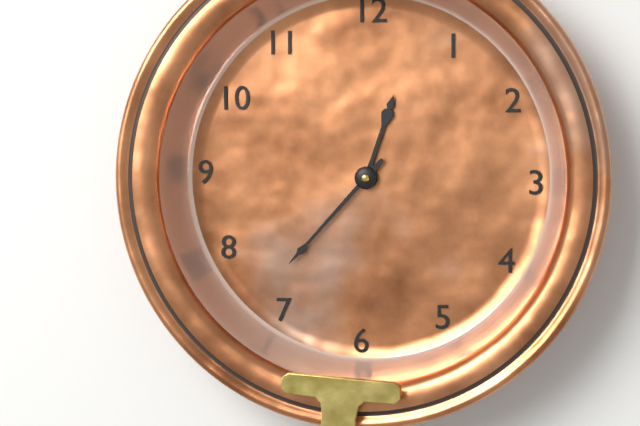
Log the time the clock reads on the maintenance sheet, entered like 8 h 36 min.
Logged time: 12 h 37 min
